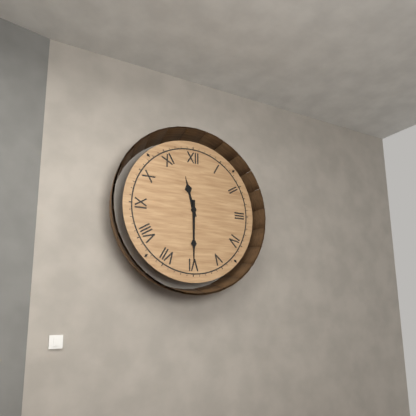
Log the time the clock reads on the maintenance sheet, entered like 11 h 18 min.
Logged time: 11 h 30 min
